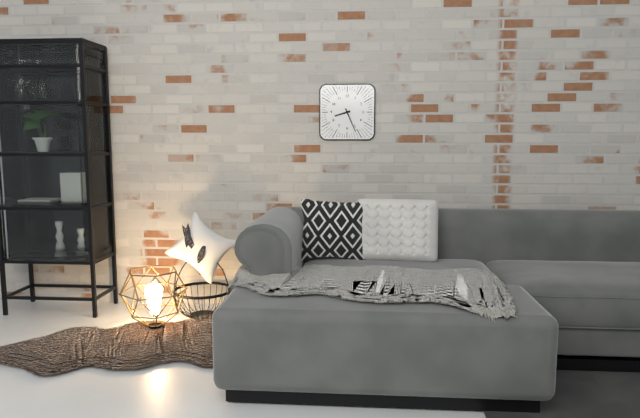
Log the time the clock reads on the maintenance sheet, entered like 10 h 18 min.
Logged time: 8 h 26 min
